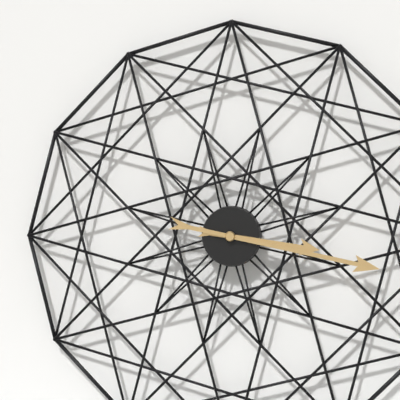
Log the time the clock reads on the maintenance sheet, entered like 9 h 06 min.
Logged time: 3 h 17 min
